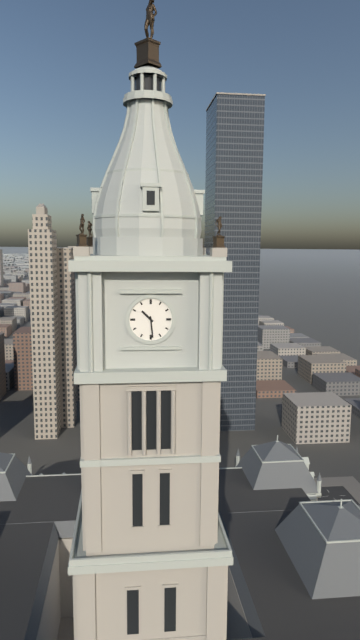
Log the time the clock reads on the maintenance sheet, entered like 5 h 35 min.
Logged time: 10 h 29 min
